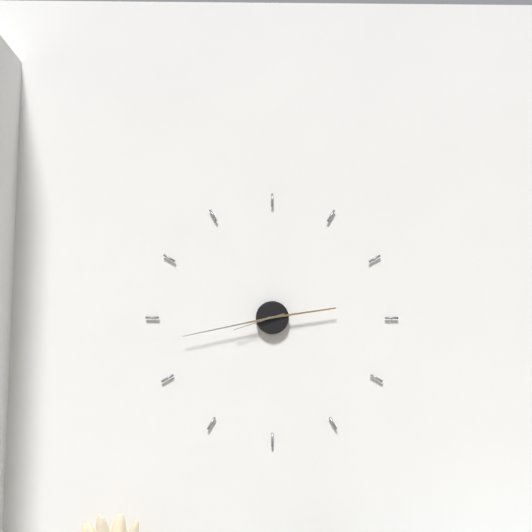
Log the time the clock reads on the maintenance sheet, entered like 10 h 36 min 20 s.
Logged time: 2 h 43 min 42 s
